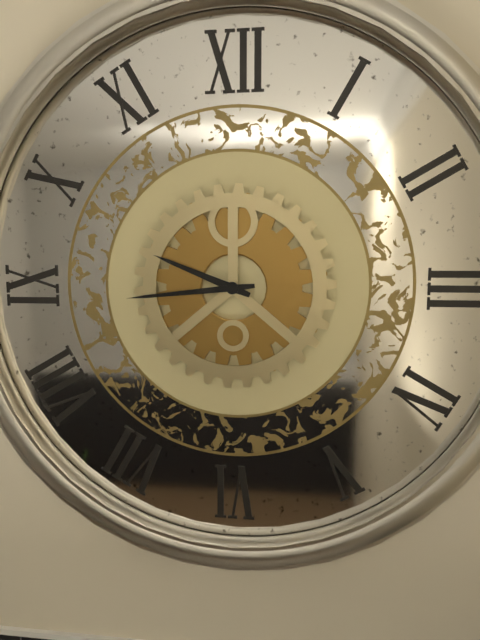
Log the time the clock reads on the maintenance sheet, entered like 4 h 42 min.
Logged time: 9 h 44 min
